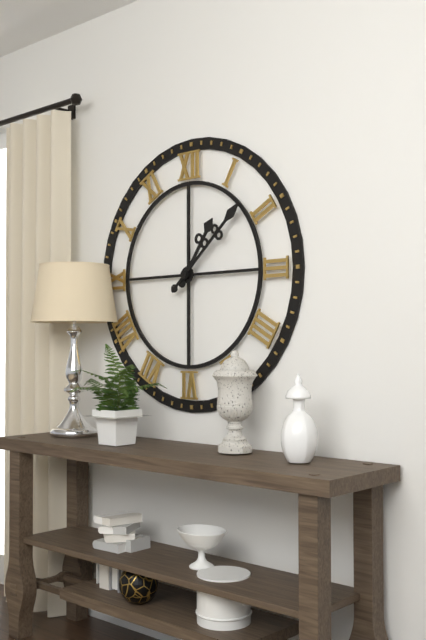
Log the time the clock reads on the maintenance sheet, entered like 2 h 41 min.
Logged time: 1 h 08 min
